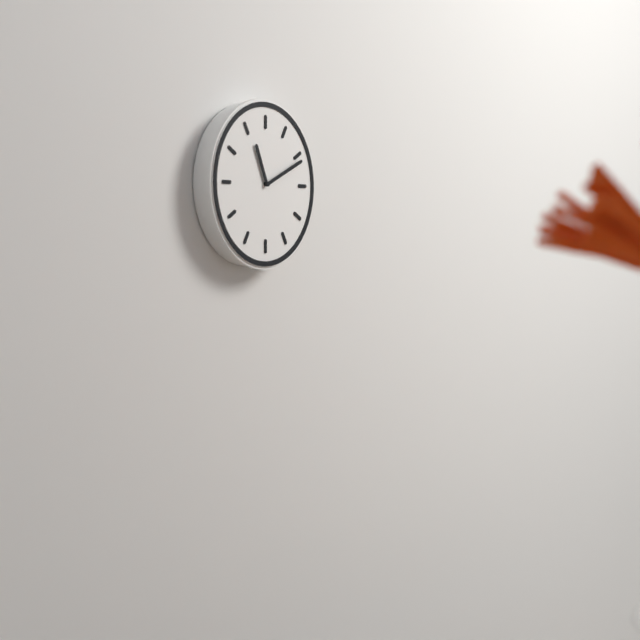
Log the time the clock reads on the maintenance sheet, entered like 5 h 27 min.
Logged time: 11 h 11 min
